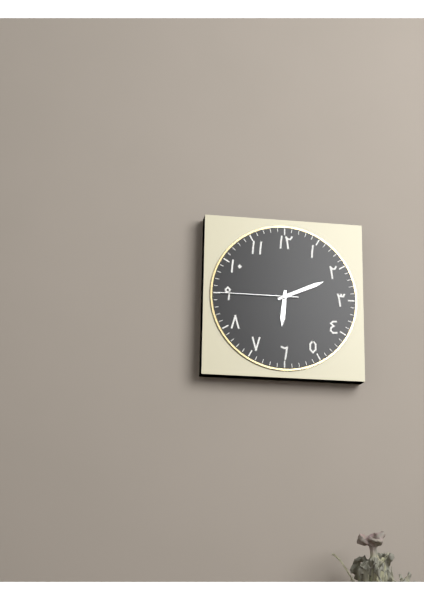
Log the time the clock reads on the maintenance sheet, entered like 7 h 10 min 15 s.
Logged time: 6 h 11 min 45 s
